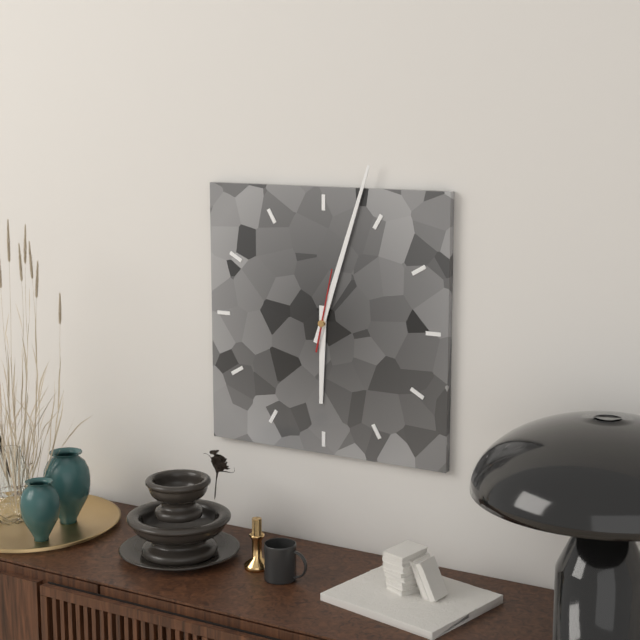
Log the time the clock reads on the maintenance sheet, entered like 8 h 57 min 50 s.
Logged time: 6 h 03 min 02 s
